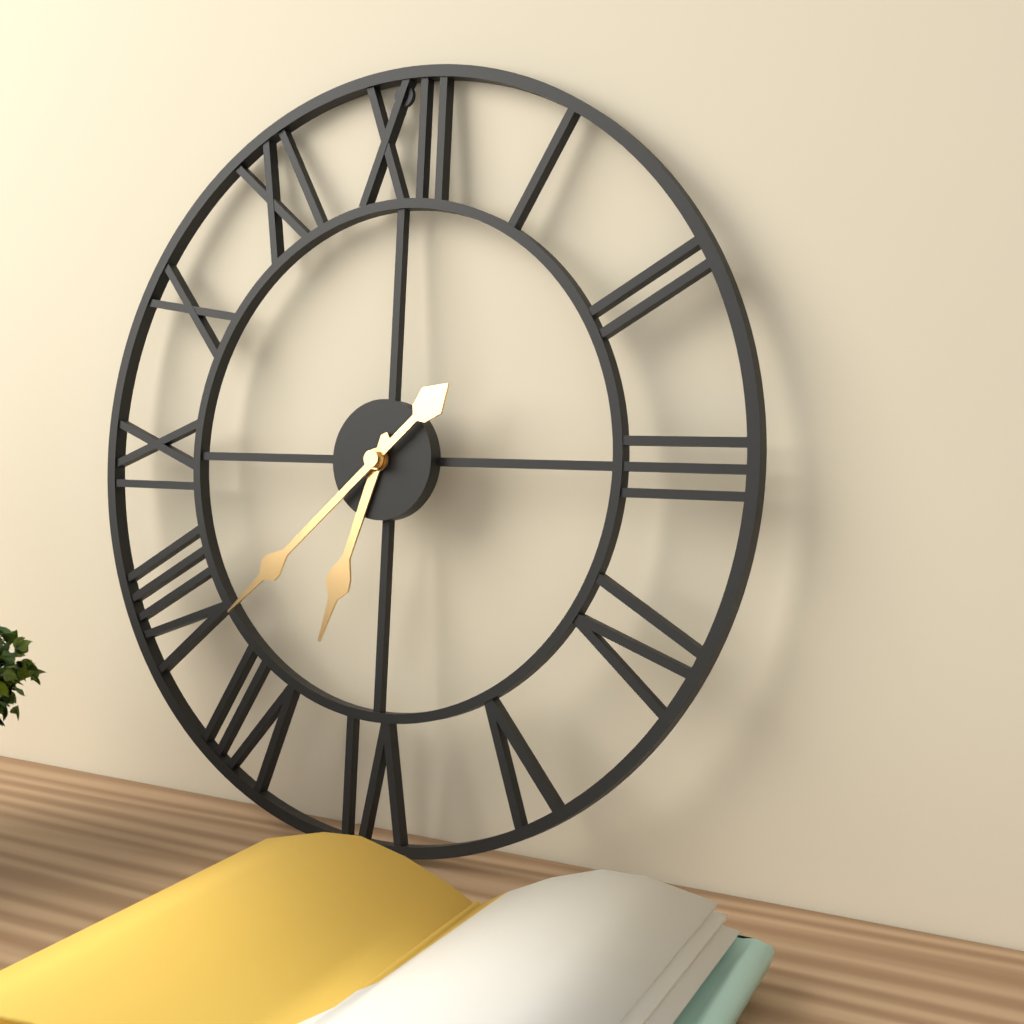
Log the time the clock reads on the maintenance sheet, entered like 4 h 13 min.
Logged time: 6 h 38 min
